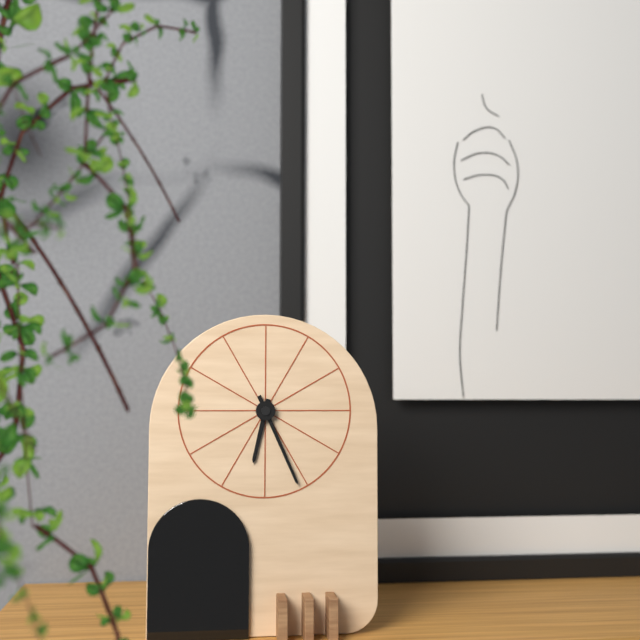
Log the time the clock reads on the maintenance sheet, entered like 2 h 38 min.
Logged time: 6 h 26 min
